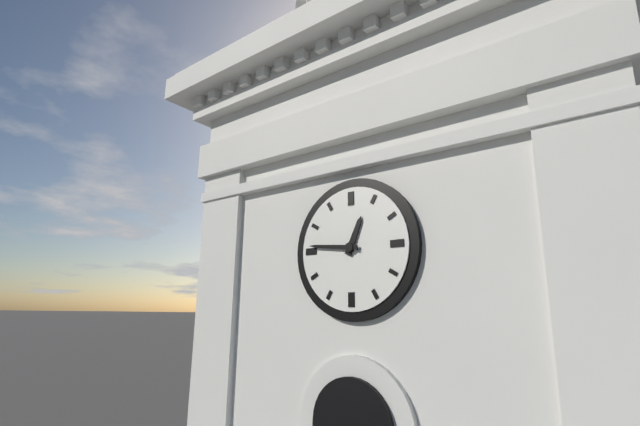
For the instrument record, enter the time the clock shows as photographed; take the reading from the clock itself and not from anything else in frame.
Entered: 12:46
